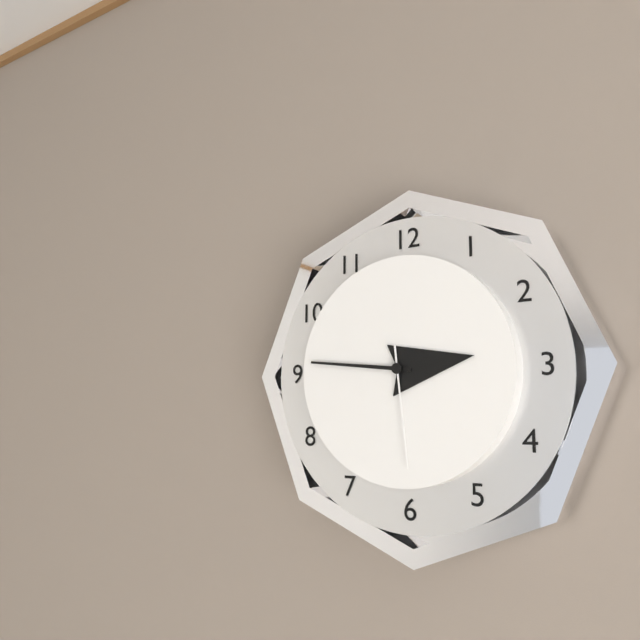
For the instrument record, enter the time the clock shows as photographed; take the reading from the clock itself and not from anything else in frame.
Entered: 2:46:29
